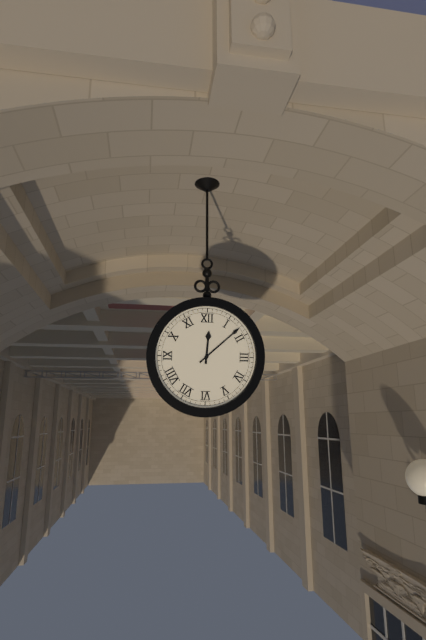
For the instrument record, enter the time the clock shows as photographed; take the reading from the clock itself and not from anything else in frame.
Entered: 12:08
